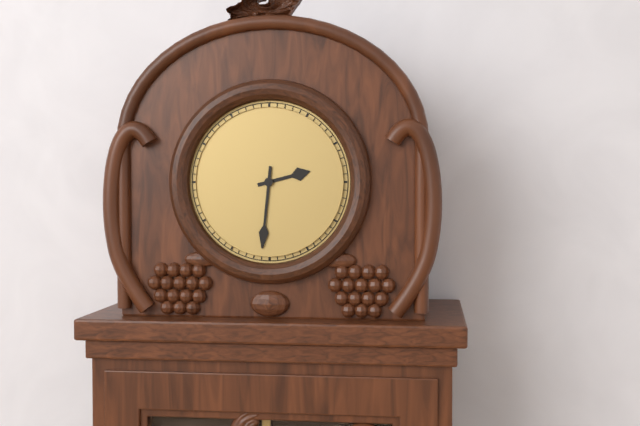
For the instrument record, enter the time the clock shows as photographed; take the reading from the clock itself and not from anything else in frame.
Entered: 2:31
